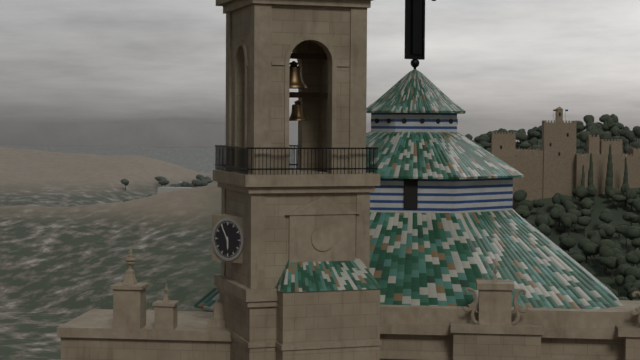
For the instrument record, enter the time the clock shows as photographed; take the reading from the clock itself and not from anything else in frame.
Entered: 5:55
